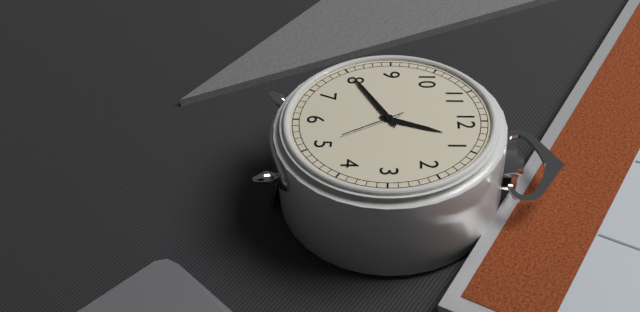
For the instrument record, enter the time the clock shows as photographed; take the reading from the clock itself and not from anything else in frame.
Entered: 12:40:25
